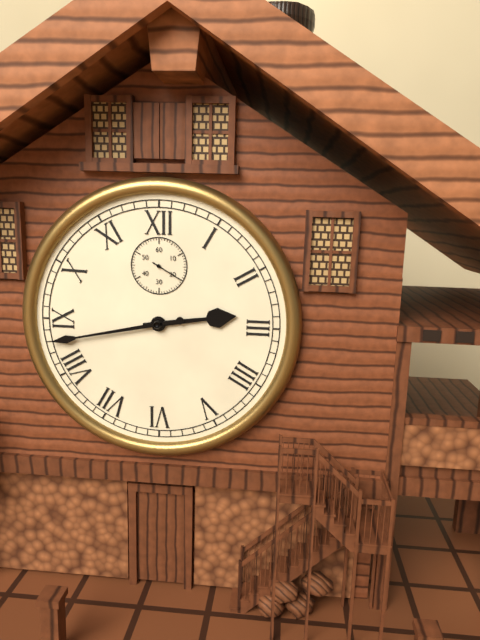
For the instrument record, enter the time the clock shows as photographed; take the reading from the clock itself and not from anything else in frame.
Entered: 2:43
